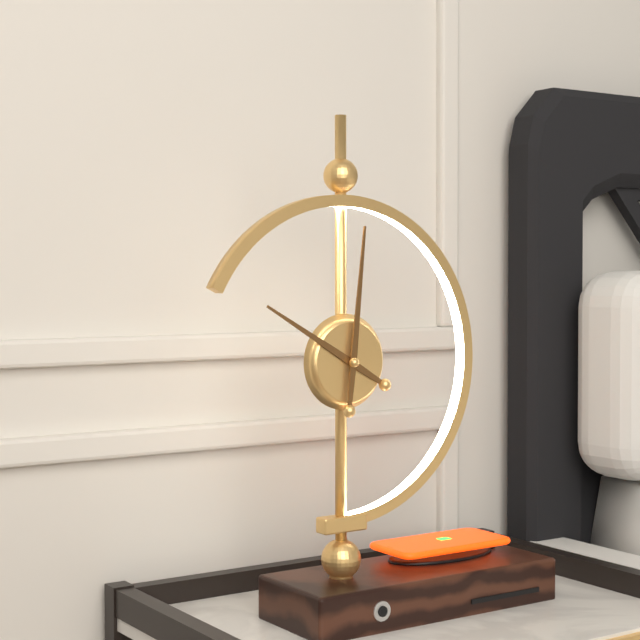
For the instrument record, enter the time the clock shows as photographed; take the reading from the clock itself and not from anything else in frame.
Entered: 10:01
